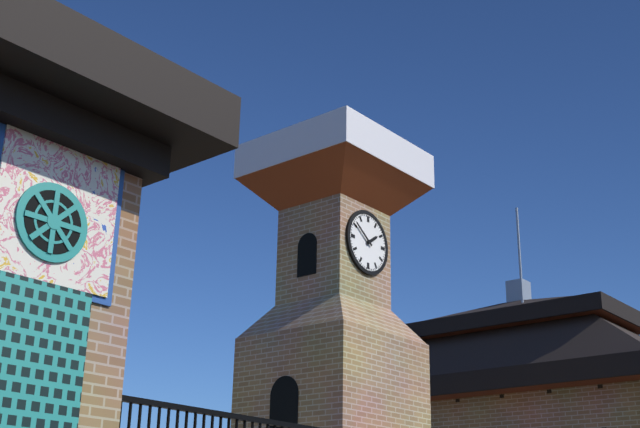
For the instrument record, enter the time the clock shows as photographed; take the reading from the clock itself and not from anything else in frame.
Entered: 1:51
